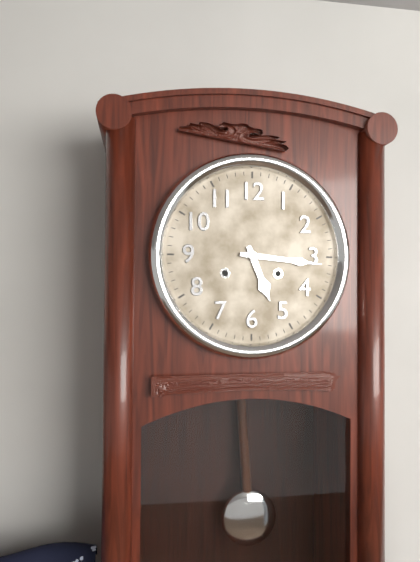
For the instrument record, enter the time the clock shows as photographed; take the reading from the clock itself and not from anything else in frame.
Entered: 5:16
